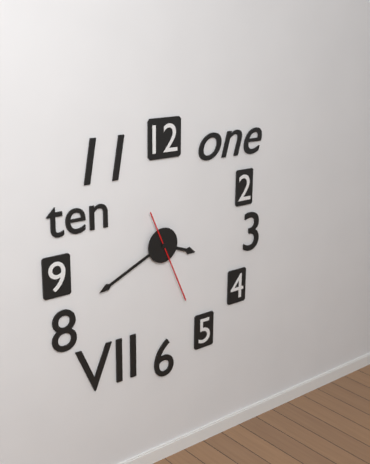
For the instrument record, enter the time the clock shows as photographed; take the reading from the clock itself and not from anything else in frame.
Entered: 3:41:26
